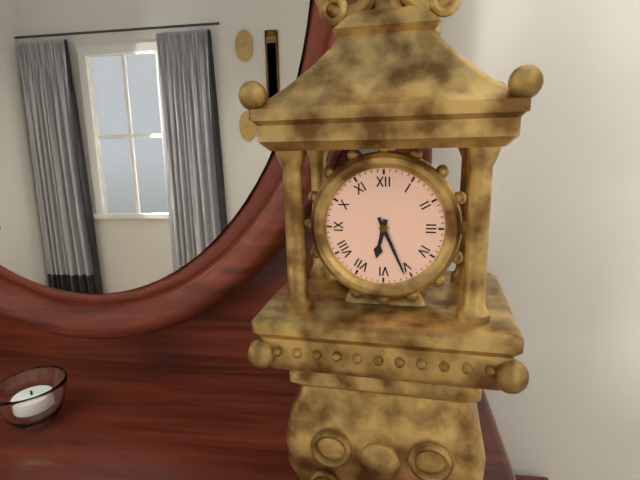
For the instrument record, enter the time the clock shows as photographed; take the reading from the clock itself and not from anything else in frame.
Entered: 6:26
